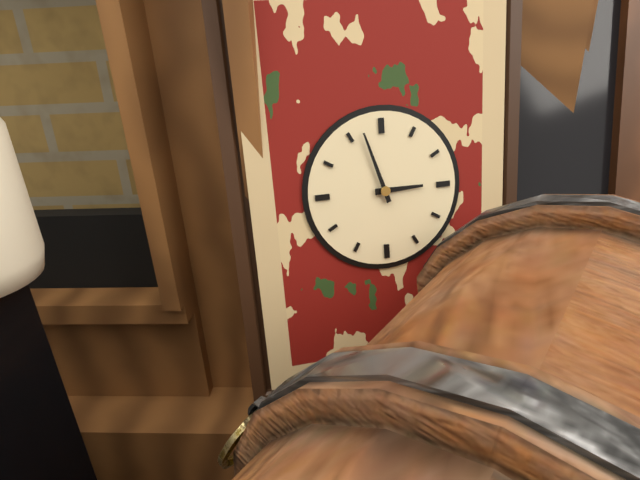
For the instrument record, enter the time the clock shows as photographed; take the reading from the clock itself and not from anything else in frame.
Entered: 2:57
